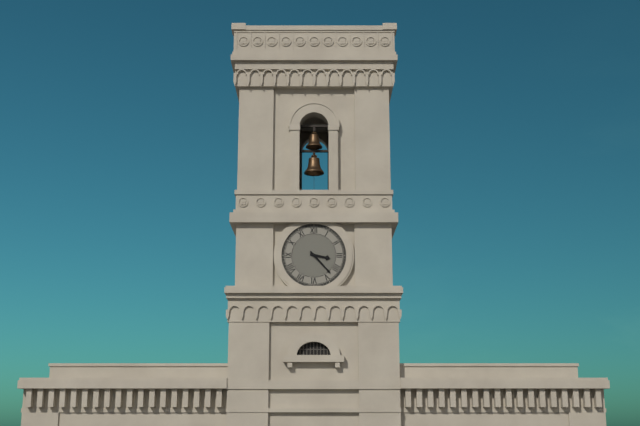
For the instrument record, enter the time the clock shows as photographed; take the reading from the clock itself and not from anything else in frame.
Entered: 3:23
